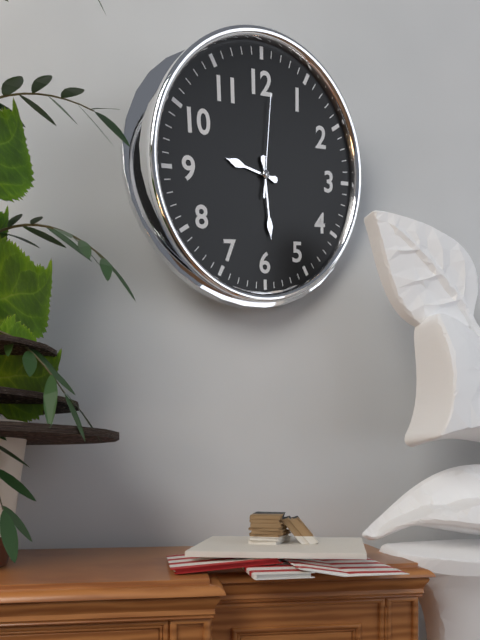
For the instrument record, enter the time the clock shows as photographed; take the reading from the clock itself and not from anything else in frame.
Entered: 9:29:01
